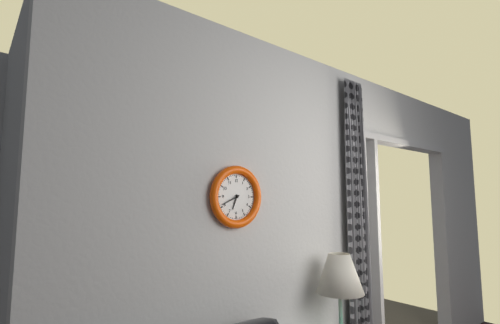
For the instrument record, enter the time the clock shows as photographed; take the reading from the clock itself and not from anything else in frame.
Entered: 6:41
